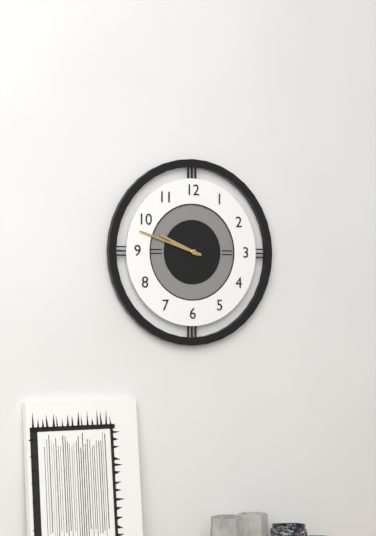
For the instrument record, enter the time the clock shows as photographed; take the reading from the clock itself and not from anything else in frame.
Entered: 9:48
